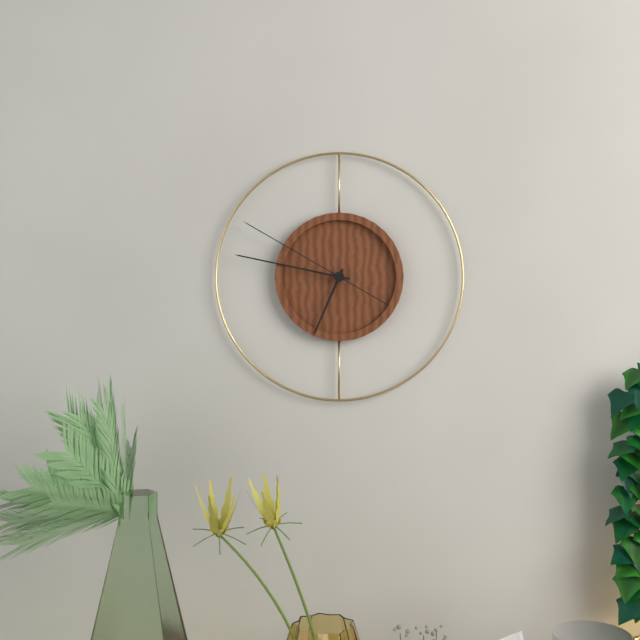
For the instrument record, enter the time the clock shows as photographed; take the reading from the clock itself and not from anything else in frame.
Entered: 6:47:50
